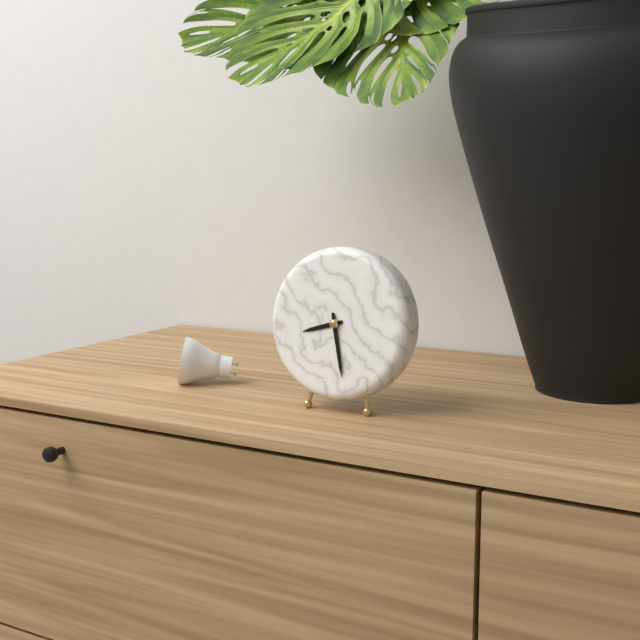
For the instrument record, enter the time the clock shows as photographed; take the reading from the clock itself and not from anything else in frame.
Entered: 8:28
